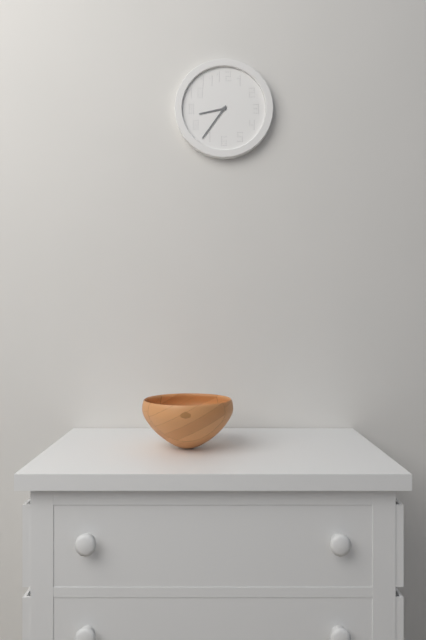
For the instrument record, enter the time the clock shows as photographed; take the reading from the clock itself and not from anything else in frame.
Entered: 8:36
